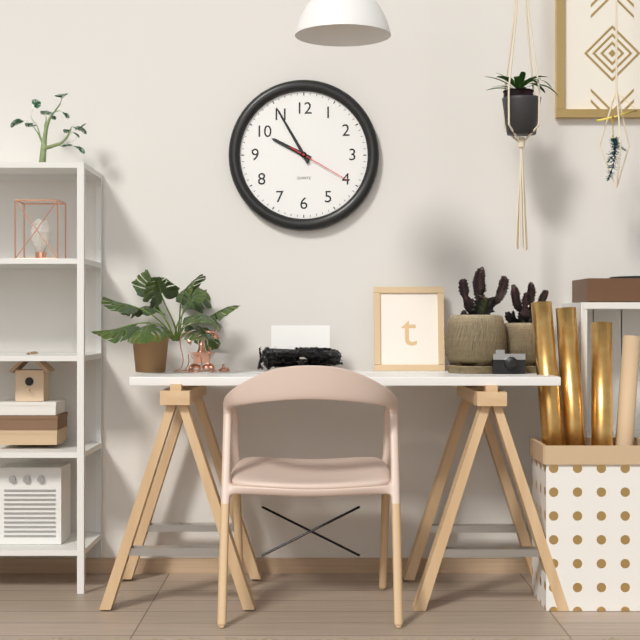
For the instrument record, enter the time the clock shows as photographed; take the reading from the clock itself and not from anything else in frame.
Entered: 9:55:20
